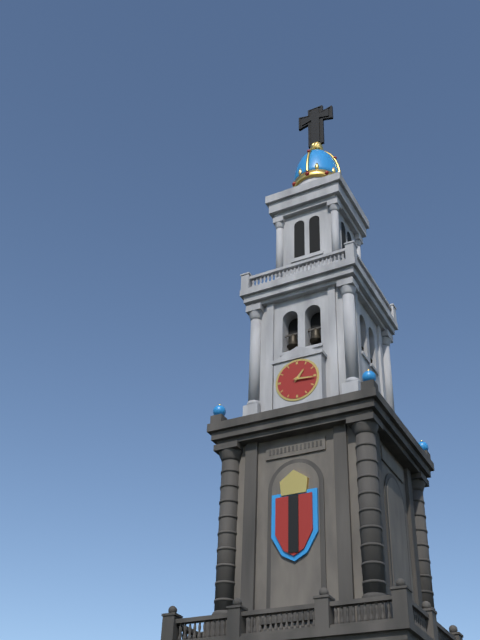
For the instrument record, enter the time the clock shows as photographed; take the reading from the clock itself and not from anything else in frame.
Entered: 1:16
